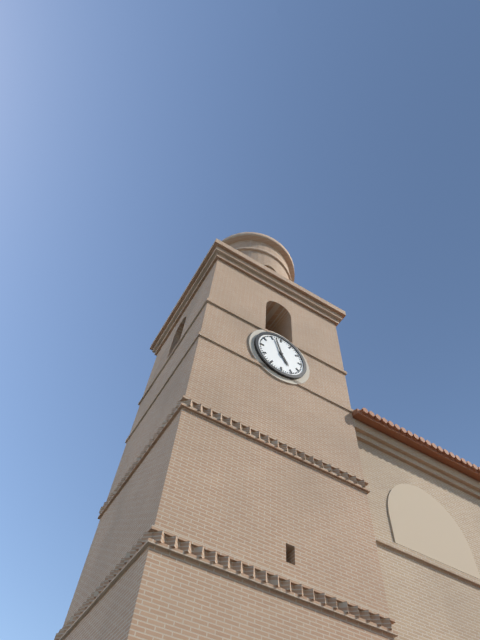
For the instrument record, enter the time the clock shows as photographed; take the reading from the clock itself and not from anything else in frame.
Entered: 4:57
